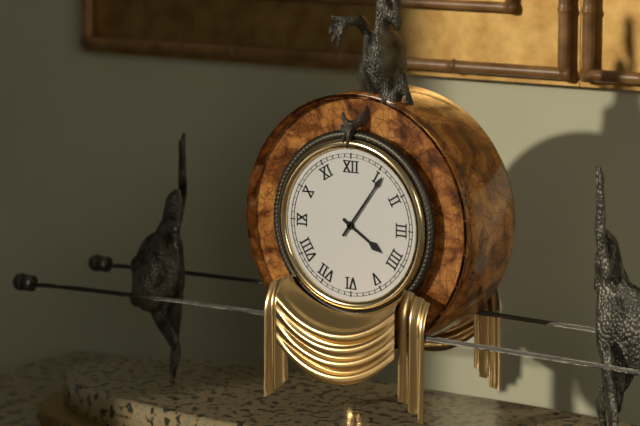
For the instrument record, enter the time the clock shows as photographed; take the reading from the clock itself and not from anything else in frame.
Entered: 4:06
